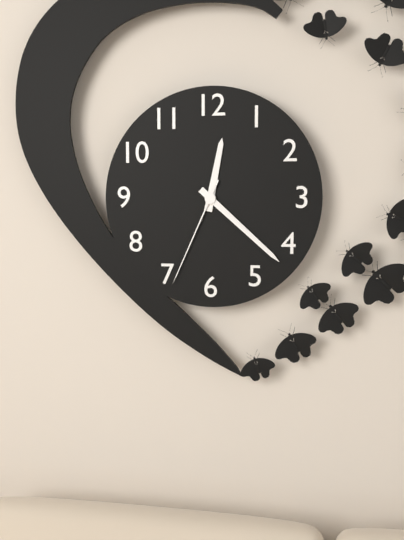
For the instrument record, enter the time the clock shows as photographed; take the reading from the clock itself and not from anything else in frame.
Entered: 12:22:34
